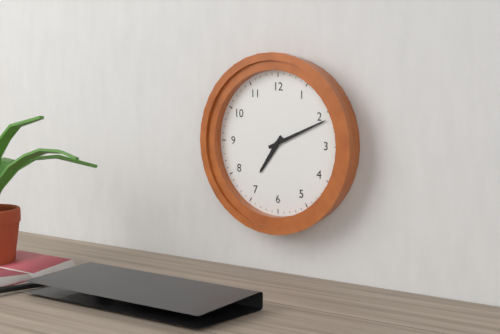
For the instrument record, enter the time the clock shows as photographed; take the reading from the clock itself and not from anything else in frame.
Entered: 7:11
